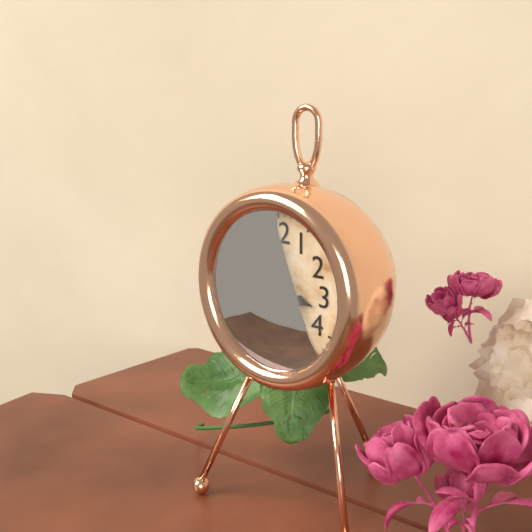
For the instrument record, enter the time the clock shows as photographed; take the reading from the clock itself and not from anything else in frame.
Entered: 3:24
